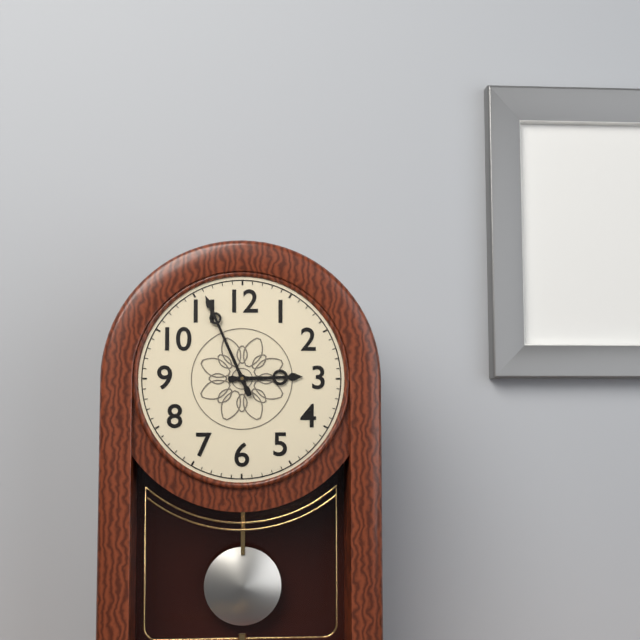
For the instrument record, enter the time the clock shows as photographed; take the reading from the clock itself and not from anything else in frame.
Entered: 2:56
